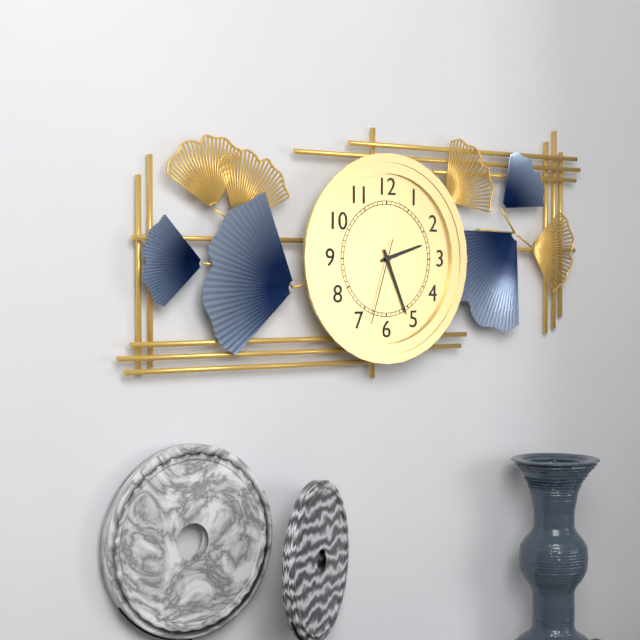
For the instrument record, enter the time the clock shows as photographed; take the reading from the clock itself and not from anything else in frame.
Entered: 2:26:33
